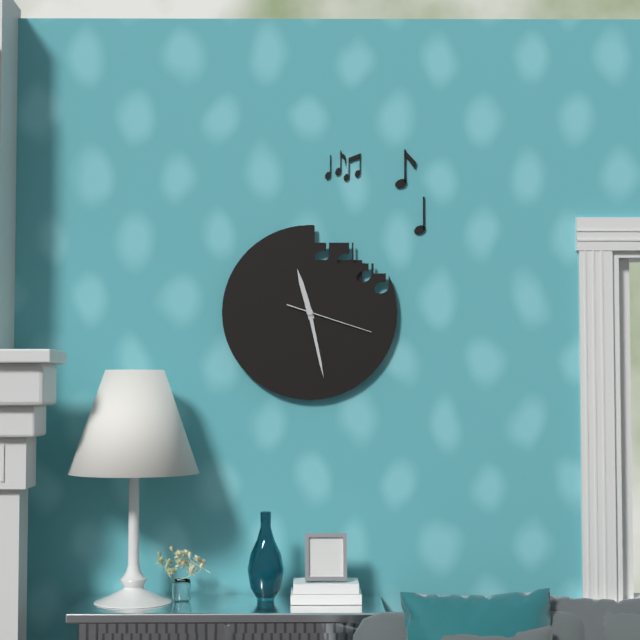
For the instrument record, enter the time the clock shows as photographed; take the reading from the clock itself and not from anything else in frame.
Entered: 11:28:18
